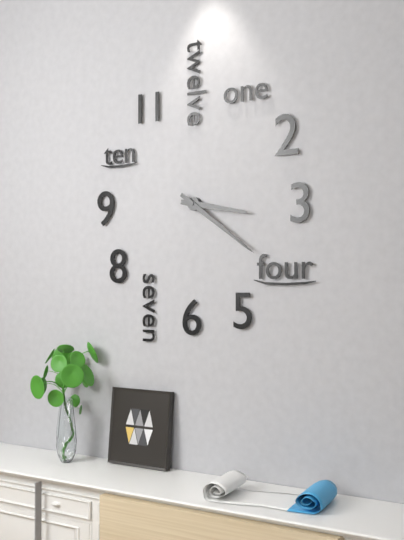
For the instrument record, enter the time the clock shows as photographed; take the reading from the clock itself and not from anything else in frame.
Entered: 3:21
